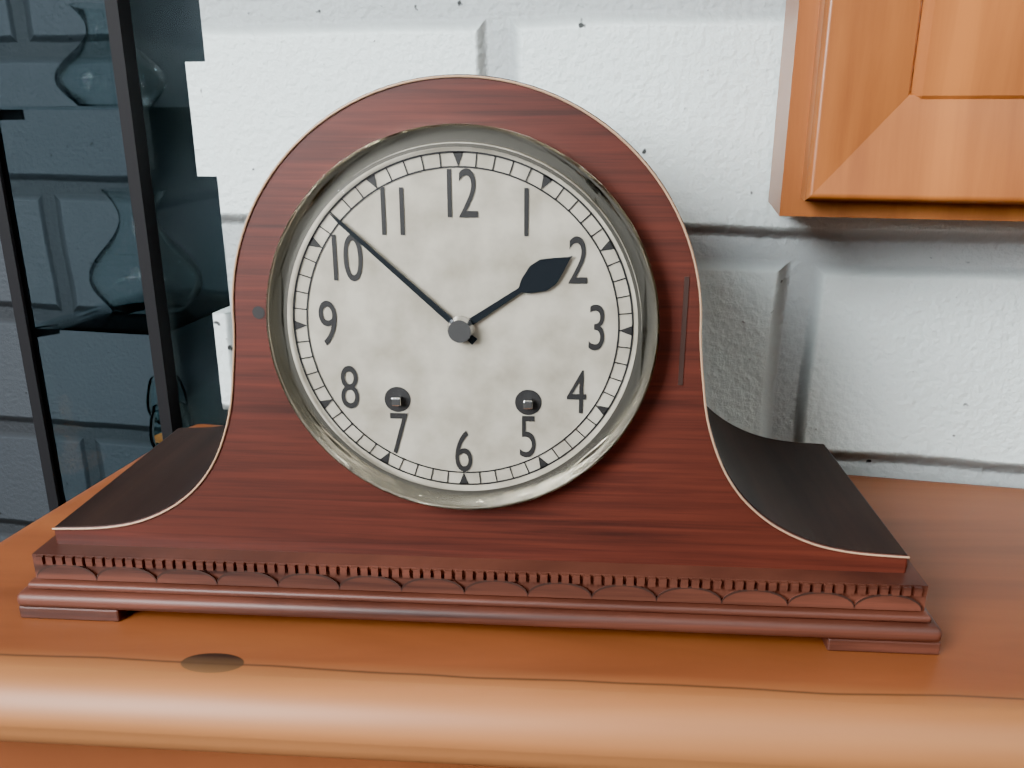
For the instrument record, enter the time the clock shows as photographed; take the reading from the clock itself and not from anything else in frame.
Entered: 1:52
